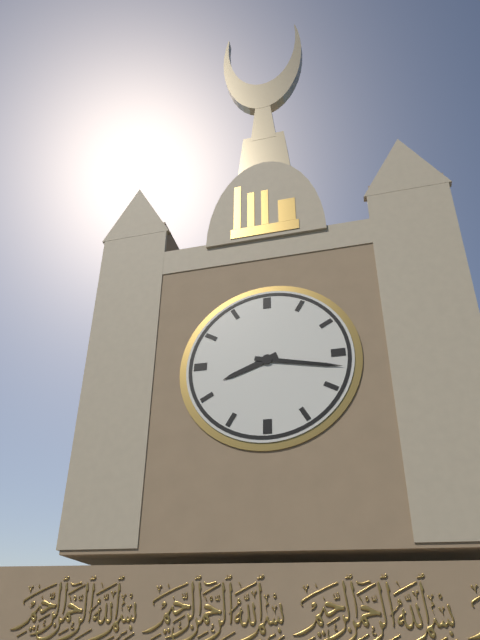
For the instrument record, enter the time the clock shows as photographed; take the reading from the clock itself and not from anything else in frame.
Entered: 8:17
